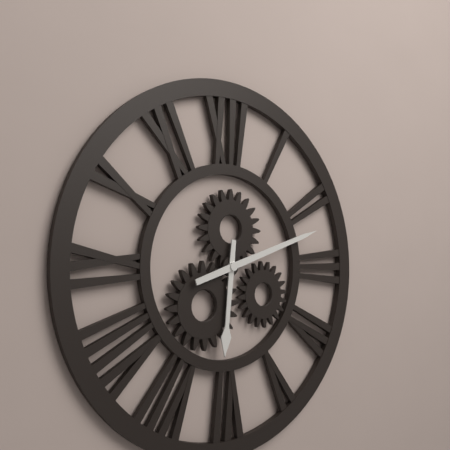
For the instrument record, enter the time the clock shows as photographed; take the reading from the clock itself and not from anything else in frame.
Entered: 6:12
